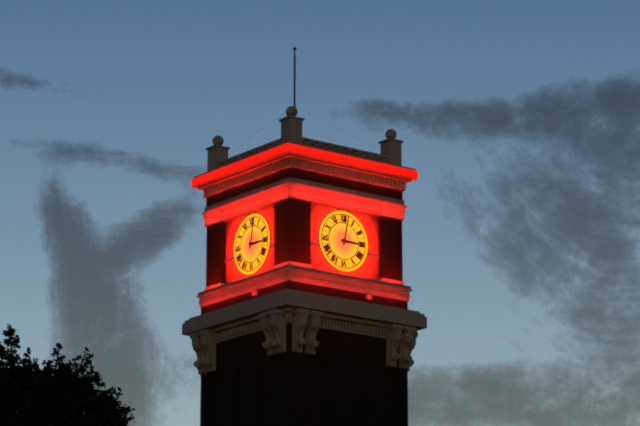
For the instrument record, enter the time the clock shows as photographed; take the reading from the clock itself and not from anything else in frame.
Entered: 3:02
